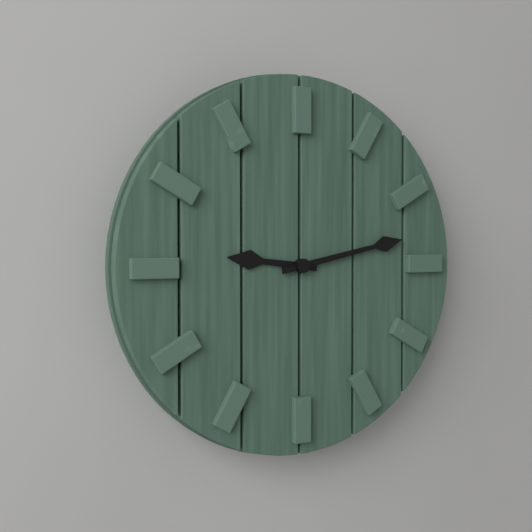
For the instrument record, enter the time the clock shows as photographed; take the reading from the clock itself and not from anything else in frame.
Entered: 9:13
